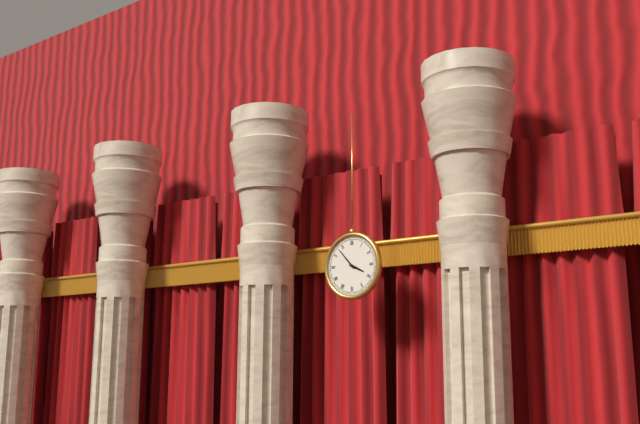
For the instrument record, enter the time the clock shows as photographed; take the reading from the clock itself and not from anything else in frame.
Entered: 3:53
